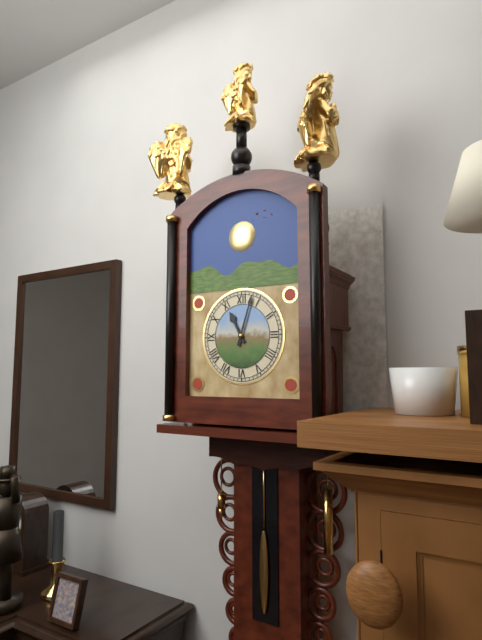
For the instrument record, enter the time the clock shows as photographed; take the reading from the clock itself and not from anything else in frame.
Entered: 11:03
